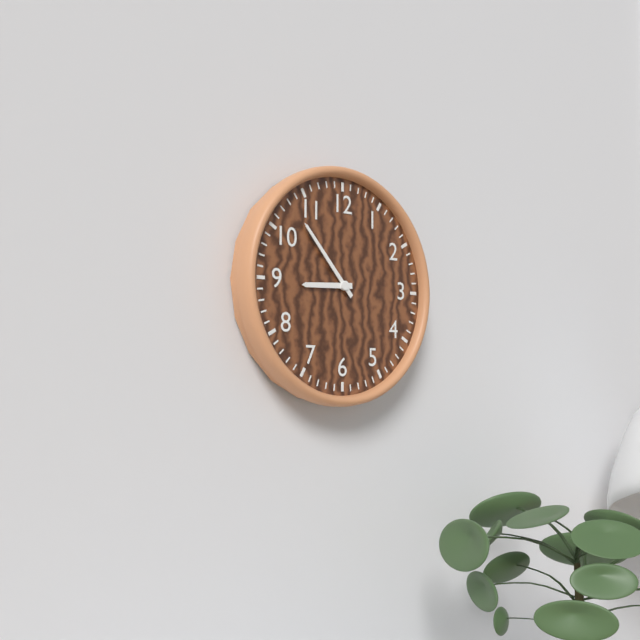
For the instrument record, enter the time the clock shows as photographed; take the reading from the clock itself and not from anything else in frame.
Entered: 8:53
